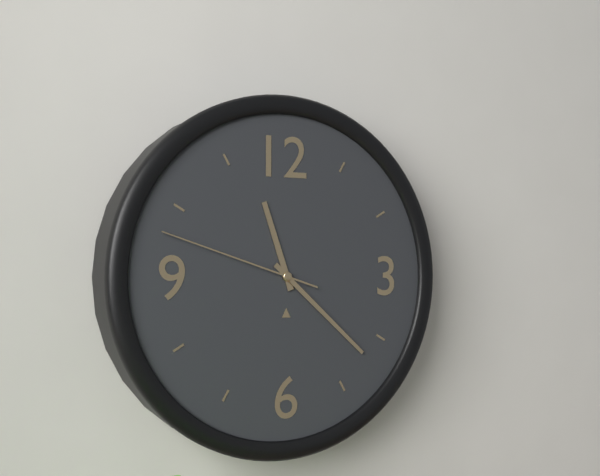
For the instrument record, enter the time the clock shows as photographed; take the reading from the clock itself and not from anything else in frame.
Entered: 11:22:48
